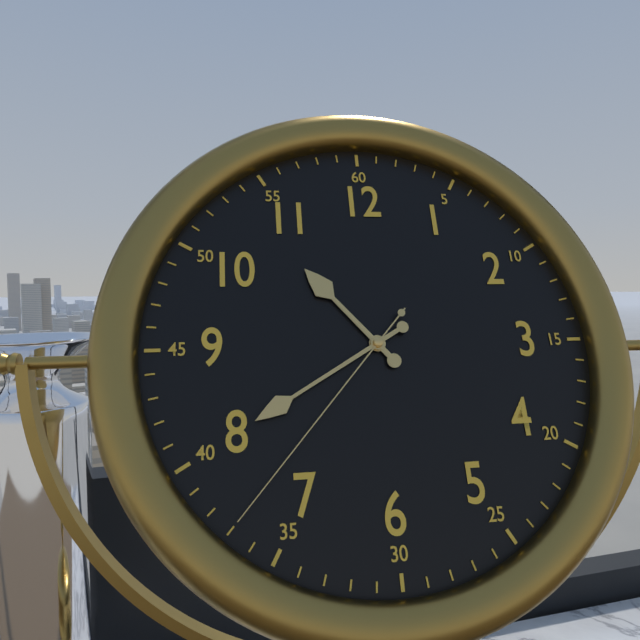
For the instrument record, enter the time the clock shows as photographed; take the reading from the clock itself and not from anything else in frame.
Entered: 10:40:37
